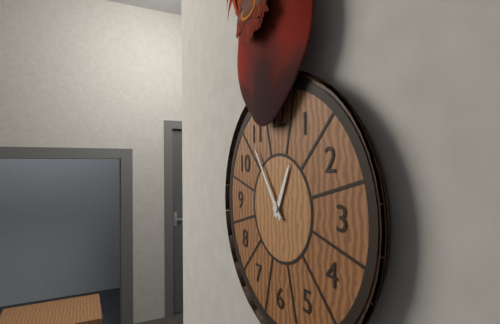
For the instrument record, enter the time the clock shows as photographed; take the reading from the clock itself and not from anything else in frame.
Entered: 12:54
